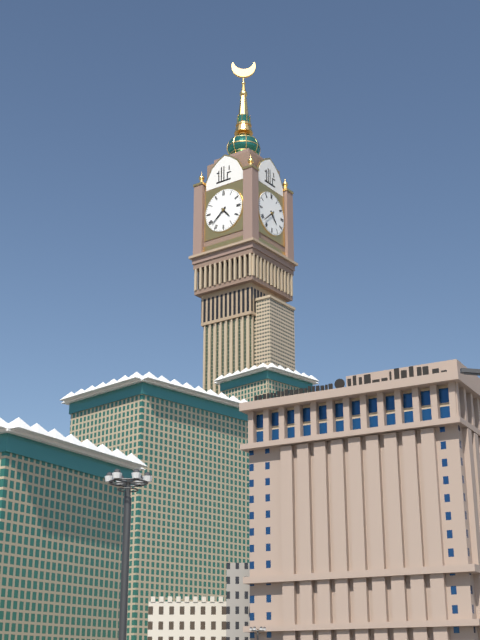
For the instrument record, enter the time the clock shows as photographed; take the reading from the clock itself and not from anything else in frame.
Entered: 4:38
